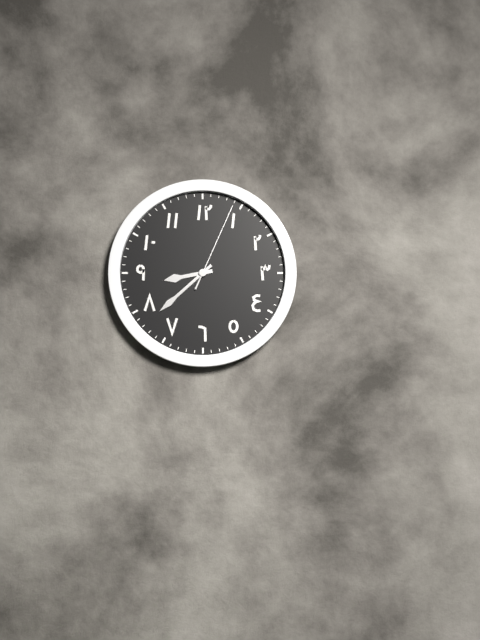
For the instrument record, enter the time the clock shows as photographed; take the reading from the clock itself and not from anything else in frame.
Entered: 8:38:04
